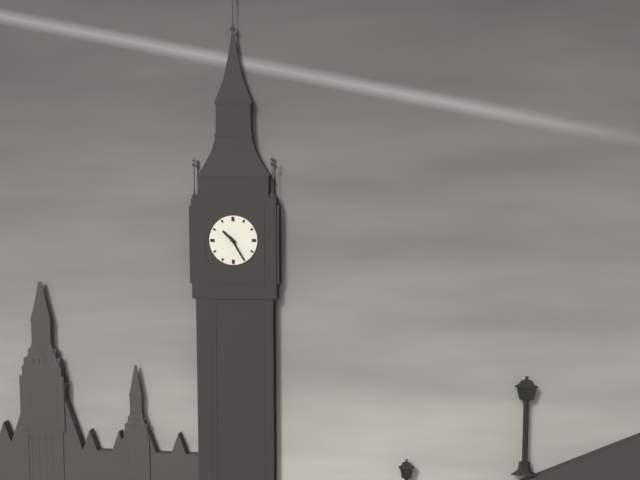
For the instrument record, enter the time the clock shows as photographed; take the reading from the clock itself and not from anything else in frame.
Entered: 10:25
